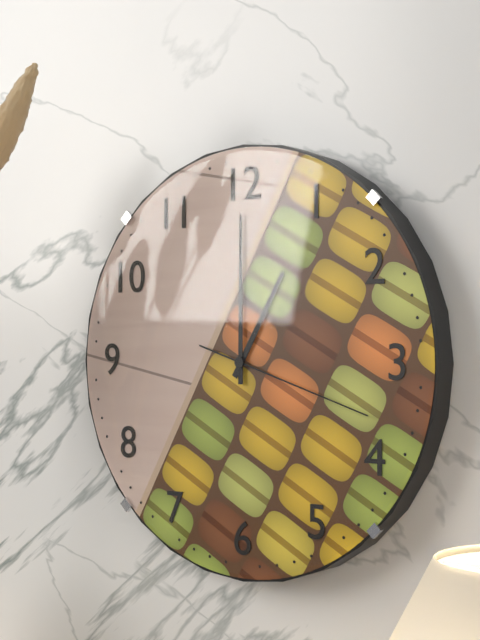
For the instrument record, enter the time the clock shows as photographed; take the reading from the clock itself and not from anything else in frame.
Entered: 1:00:18
